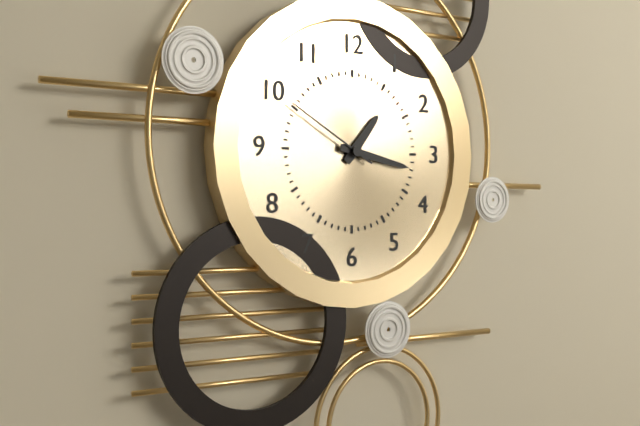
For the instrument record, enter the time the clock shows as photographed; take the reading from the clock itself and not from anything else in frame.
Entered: 1:17:50
